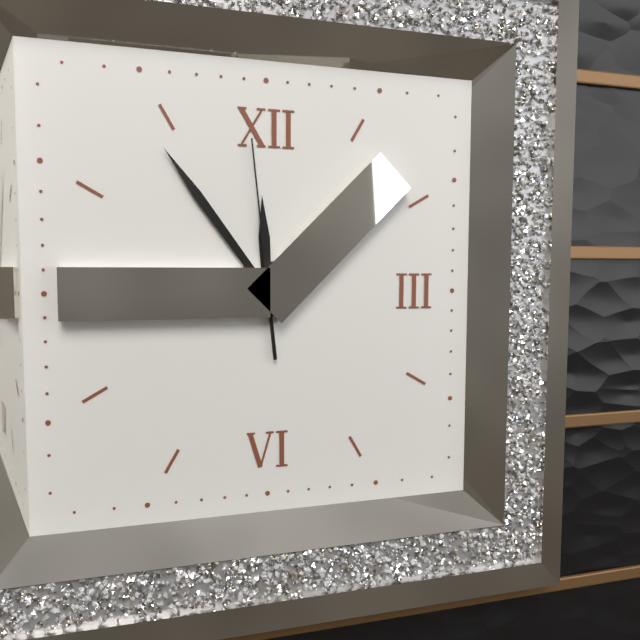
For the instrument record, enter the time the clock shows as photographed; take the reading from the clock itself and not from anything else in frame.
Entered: 11:54:59
